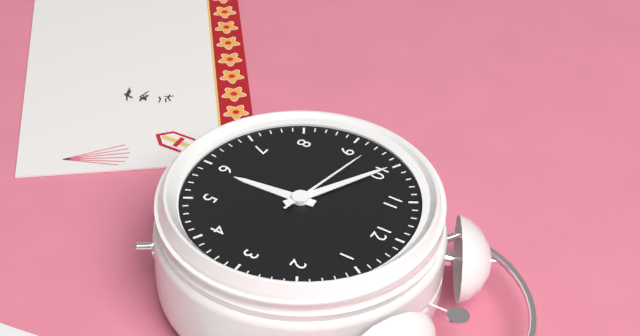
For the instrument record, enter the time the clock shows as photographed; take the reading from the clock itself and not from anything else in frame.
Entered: 5:50:47
